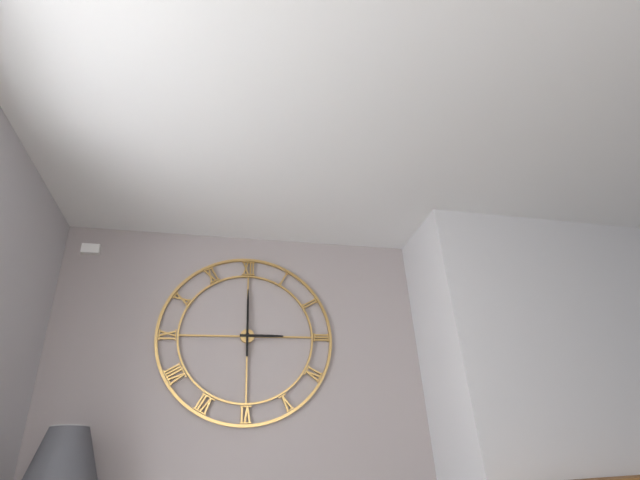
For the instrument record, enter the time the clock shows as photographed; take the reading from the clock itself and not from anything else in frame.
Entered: 3:00
